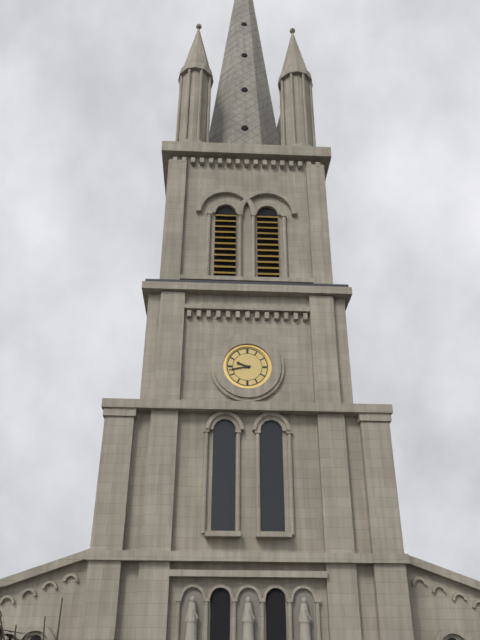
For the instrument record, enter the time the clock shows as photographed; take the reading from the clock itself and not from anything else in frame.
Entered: 9:43
